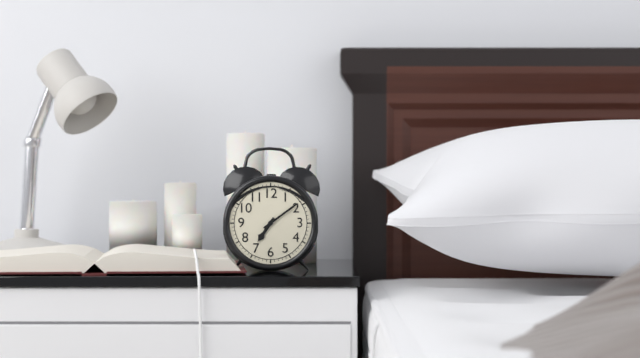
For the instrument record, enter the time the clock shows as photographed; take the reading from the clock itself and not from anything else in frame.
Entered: 7:09
